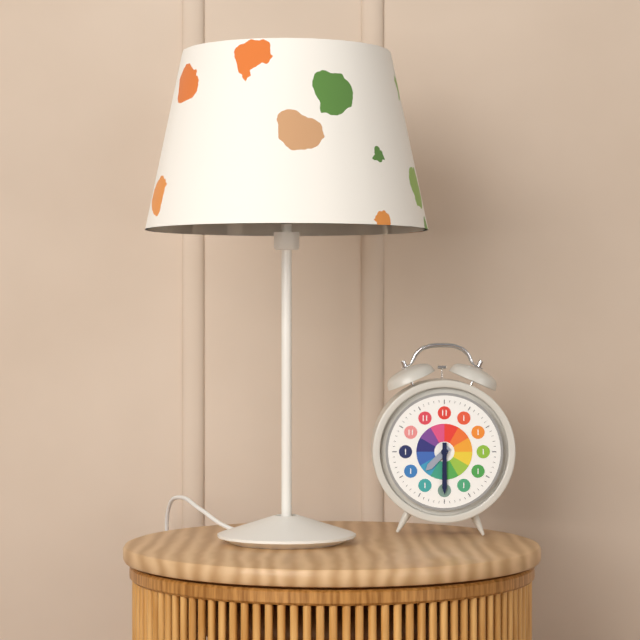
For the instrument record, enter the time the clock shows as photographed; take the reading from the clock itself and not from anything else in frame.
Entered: 7:30
